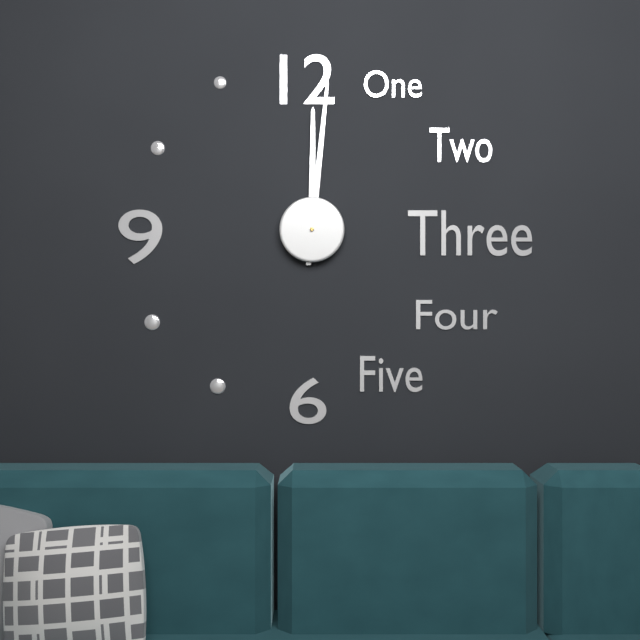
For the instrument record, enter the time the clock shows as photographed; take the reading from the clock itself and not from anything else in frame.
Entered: 12:01
